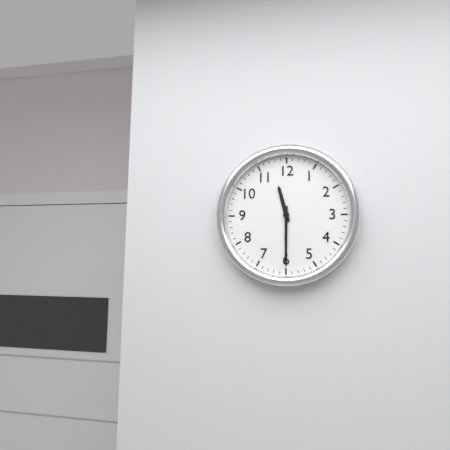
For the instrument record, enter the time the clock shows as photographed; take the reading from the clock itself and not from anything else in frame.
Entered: 11:30
